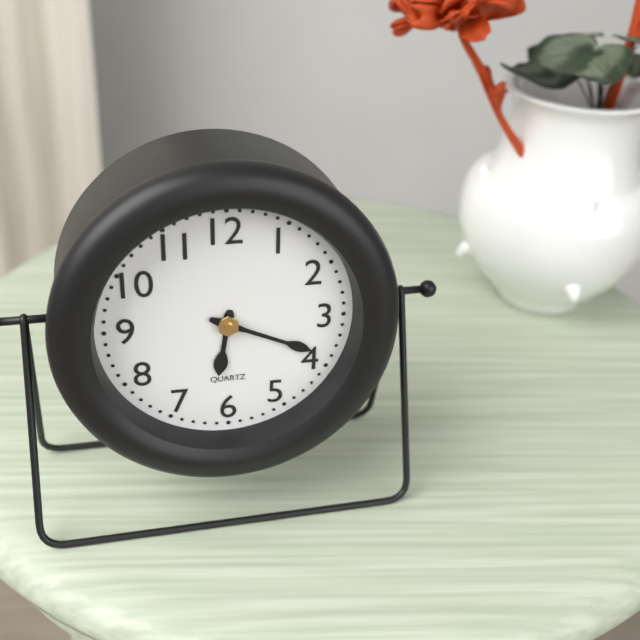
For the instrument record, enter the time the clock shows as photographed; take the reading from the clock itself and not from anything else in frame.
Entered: 6:19
